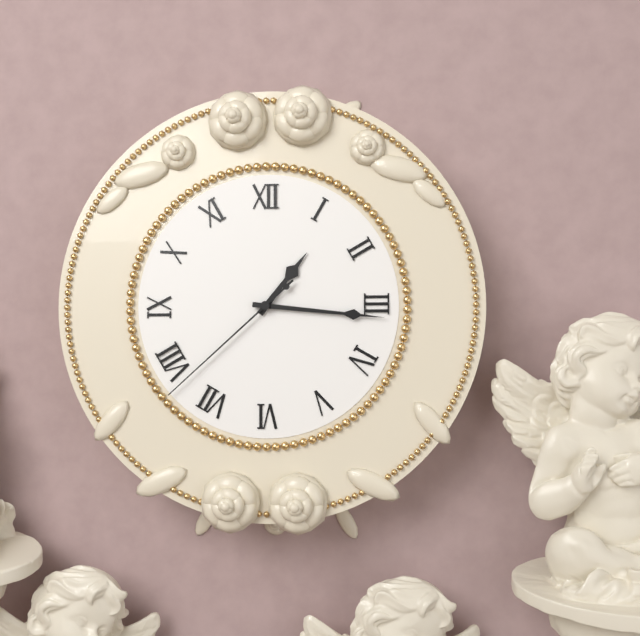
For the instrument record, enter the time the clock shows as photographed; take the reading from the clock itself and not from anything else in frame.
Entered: 1:16:38
